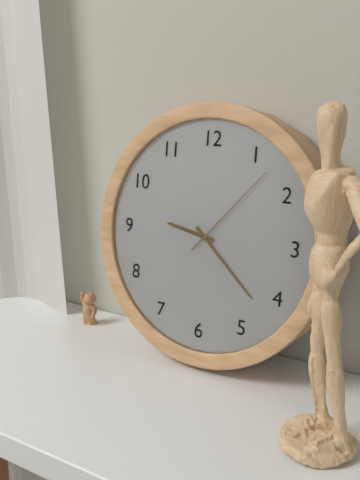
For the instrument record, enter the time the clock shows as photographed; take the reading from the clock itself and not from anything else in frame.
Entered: 9:22:07
